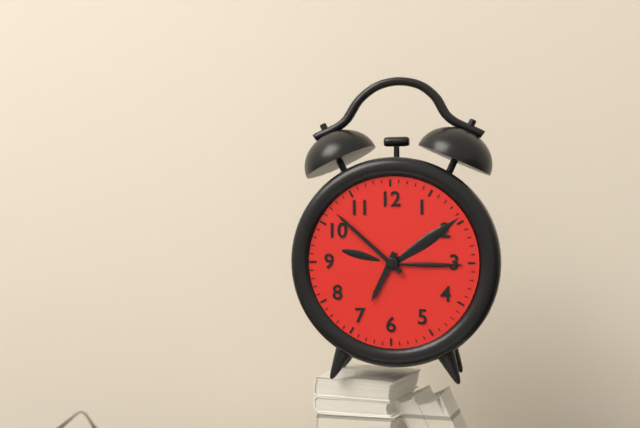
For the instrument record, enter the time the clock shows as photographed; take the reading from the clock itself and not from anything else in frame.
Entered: 6:52
